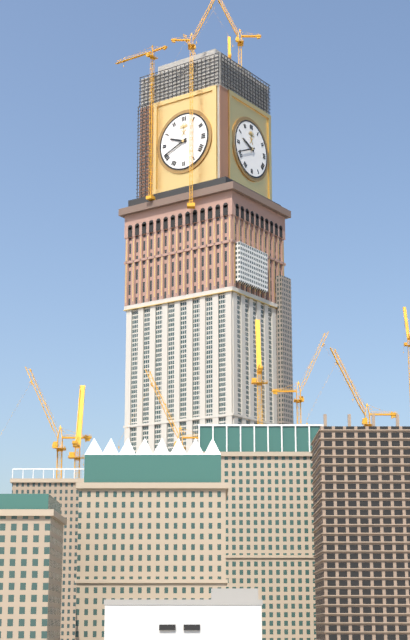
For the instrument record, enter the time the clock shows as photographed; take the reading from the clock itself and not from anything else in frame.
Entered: 9:41
